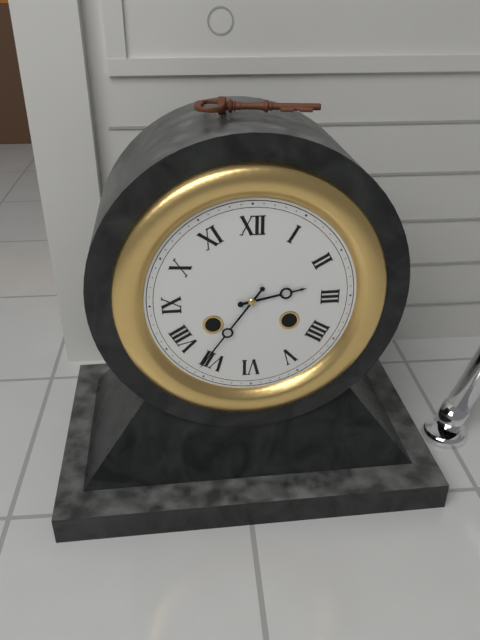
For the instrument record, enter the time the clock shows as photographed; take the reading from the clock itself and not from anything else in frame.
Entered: 2:36
